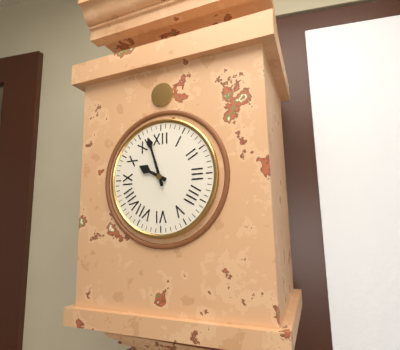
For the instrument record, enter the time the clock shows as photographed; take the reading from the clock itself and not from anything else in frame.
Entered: 9:57
